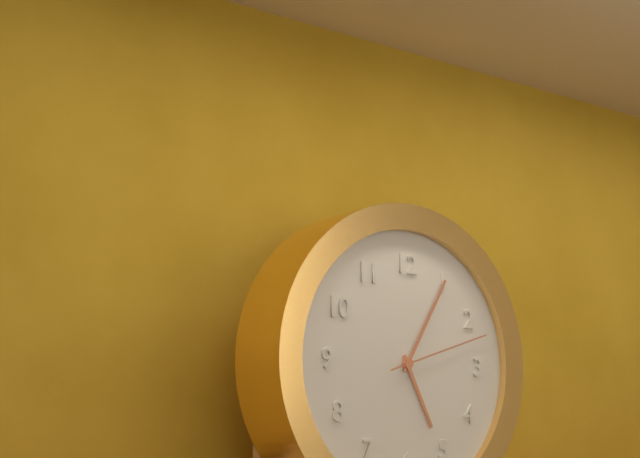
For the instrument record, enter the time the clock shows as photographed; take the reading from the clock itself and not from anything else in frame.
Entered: 5:05:12
